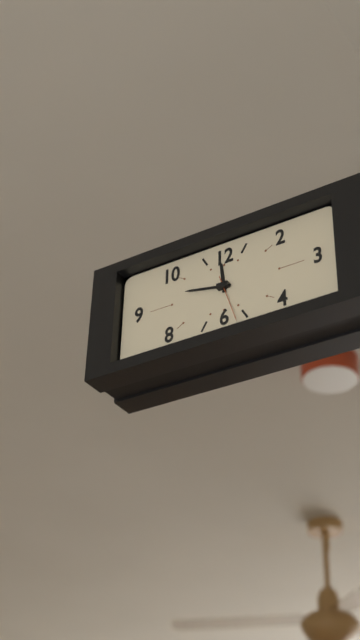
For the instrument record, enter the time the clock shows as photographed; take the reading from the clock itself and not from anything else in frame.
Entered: 11:47
